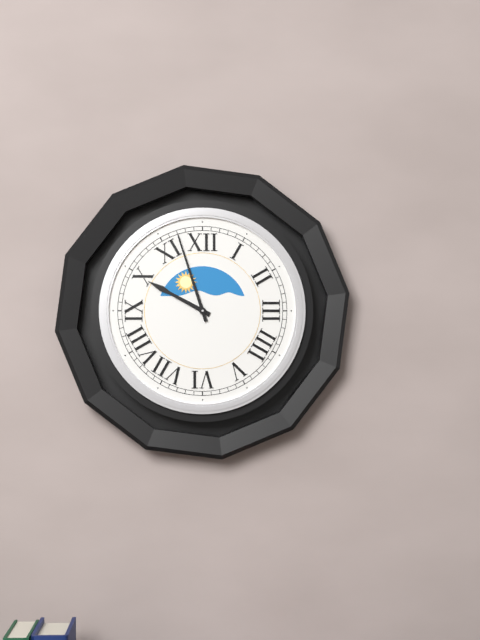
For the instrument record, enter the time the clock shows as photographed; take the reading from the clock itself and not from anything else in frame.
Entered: 9:57
